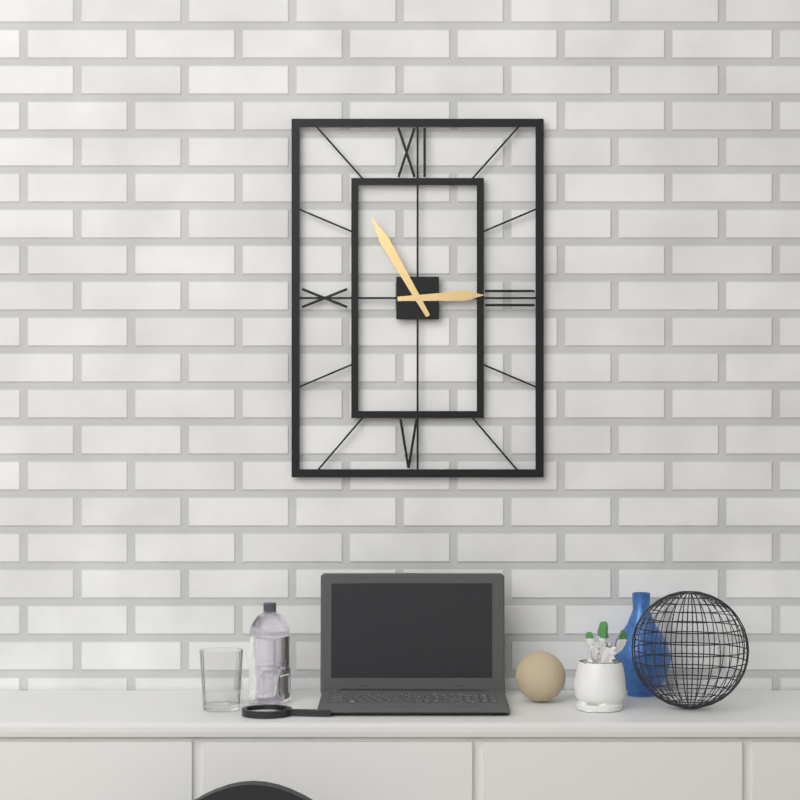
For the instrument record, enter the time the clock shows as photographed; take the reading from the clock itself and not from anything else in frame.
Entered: 2:55
